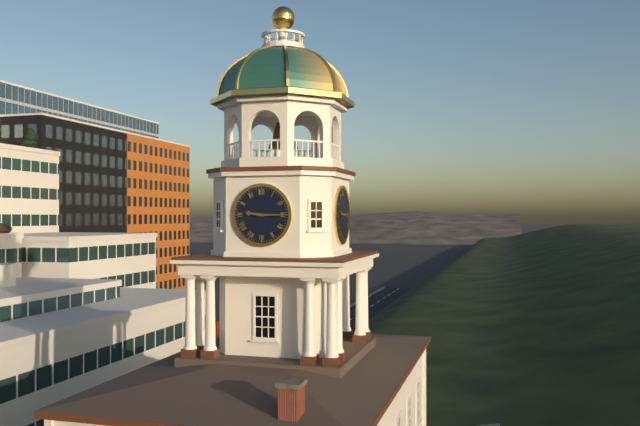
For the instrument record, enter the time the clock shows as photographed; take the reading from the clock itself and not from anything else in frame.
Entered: 9:15
